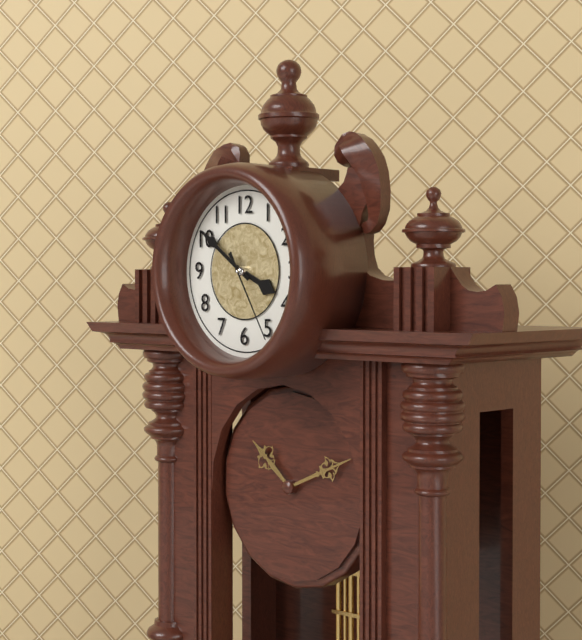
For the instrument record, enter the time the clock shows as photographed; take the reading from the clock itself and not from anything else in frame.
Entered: 3:51:25
